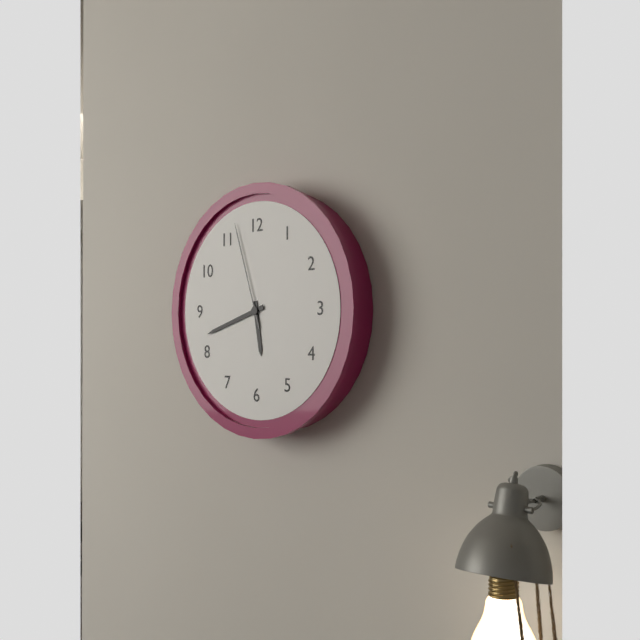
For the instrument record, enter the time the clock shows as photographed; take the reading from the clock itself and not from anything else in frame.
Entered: 5:42:57
